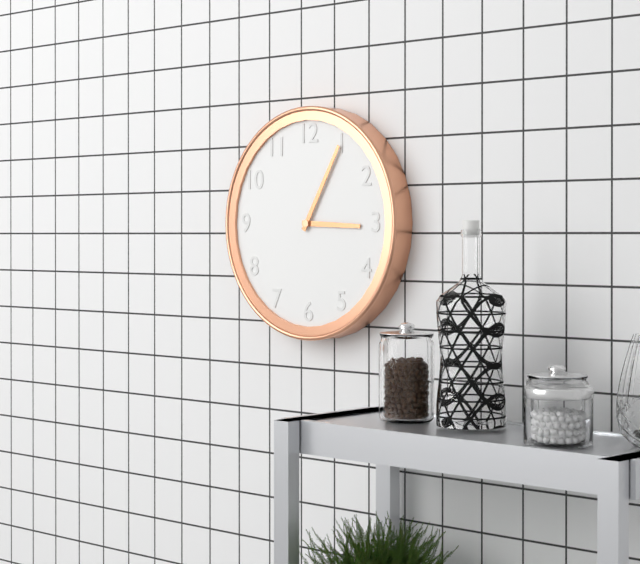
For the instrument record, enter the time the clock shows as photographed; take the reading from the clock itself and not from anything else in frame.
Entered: 3:05
